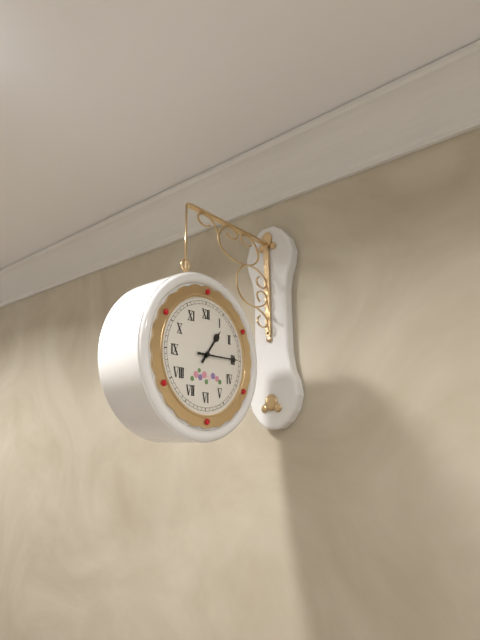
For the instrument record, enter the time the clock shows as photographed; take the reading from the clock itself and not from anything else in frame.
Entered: 1:15
